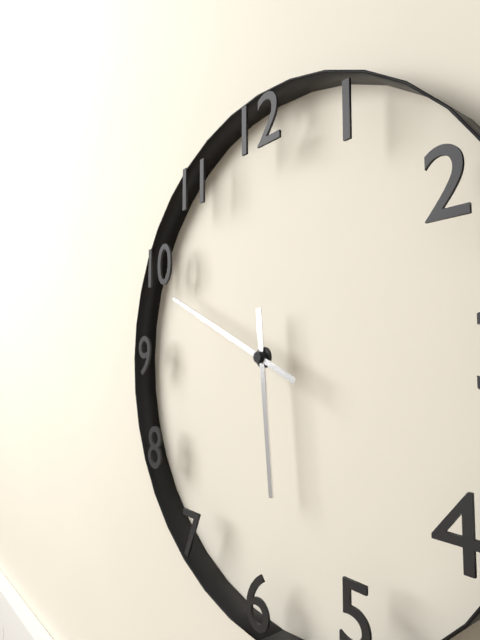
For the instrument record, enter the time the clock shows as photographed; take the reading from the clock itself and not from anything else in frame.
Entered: 5:49
